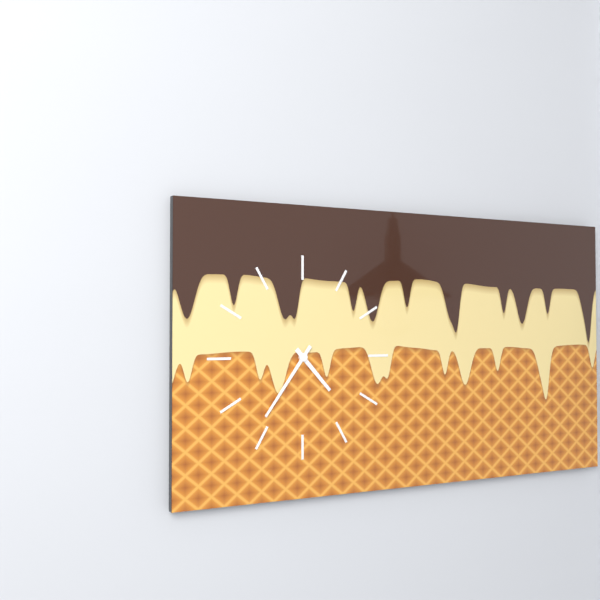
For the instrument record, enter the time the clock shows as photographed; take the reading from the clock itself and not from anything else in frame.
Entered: 4:36
